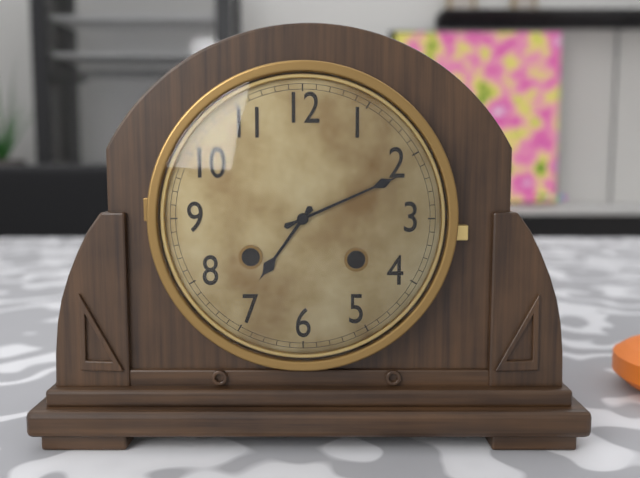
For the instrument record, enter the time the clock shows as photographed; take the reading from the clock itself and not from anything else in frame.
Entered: 7:11
